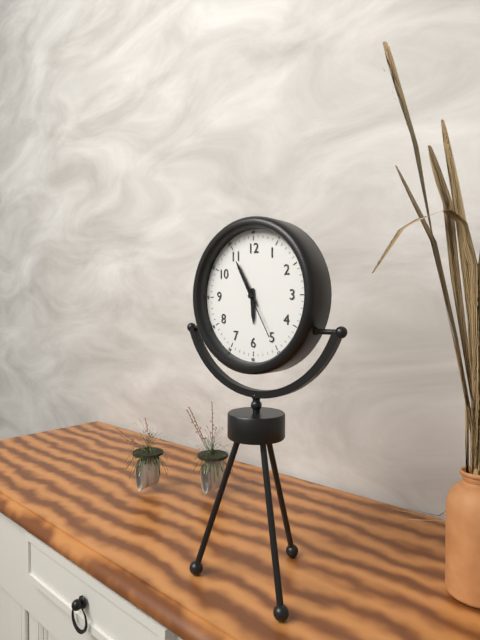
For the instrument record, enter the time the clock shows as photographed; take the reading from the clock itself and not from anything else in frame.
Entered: 5:55:25
